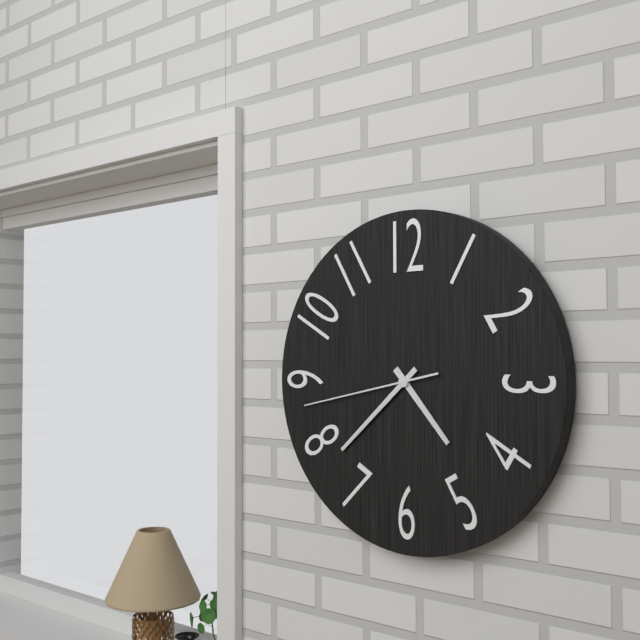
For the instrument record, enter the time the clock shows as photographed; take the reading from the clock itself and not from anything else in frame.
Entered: 4:38:43
